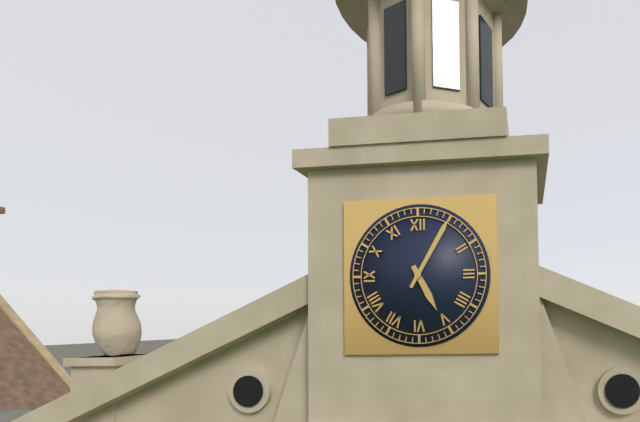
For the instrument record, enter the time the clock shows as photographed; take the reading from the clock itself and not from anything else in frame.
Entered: 5:05
